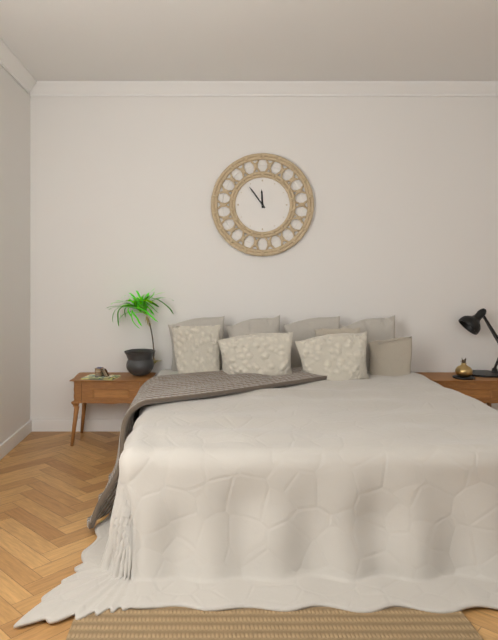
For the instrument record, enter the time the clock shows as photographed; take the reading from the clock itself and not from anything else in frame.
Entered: 11:54
